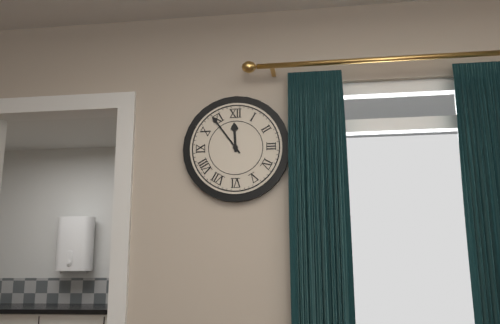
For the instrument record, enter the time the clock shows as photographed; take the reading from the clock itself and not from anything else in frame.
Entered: 11:54
